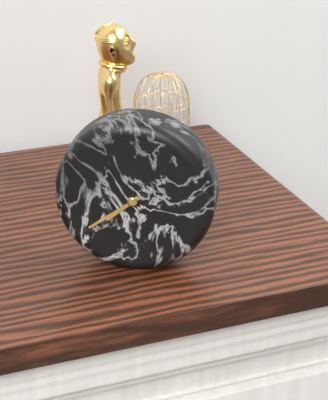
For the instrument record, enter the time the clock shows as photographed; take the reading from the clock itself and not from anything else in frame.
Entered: 7:39
